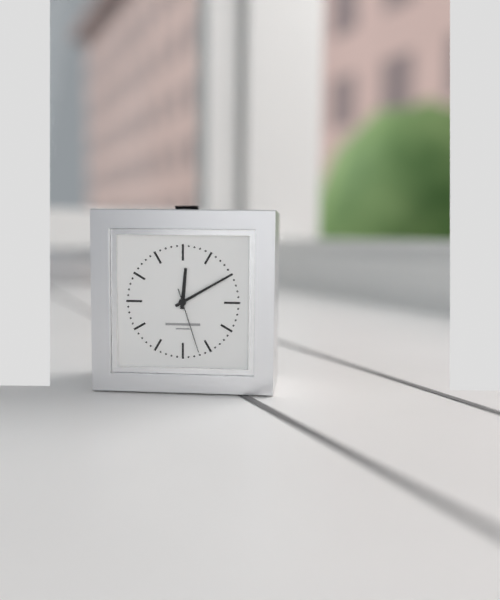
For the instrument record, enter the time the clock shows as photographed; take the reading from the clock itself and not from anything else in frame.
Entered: 12:10:27
